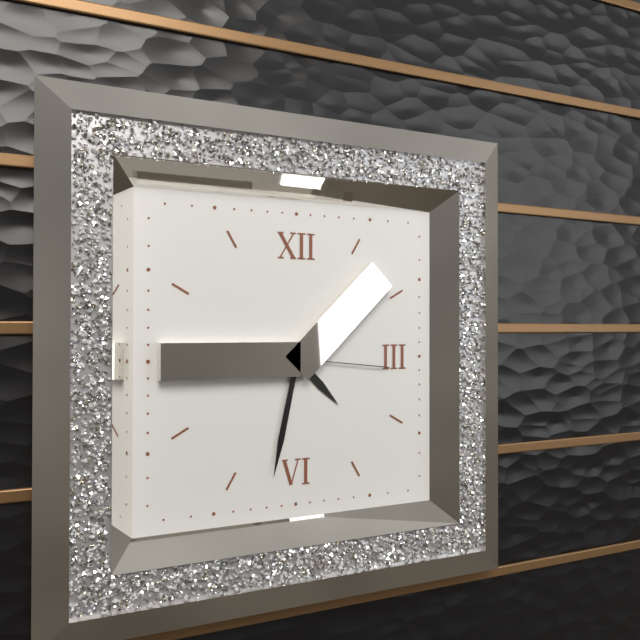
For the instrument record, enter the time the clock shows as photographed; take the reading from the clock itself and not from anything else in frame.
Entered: 4:32:16
